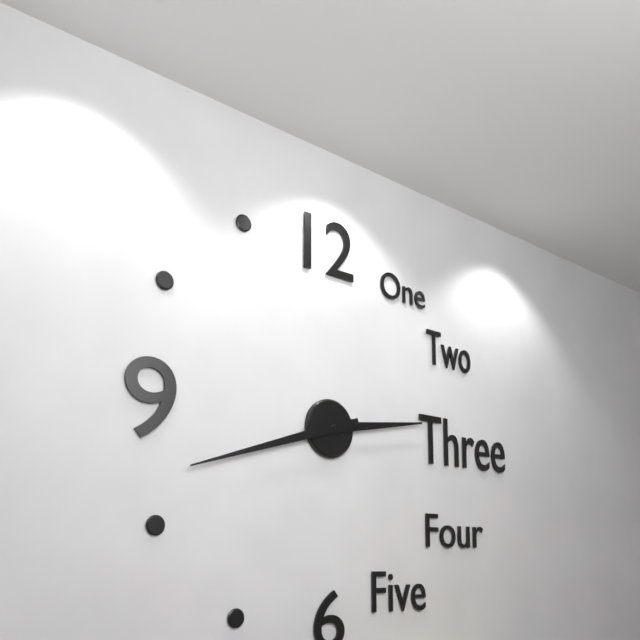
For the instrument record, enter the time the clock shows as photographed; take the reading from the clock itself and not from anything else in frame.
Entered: 2:42
